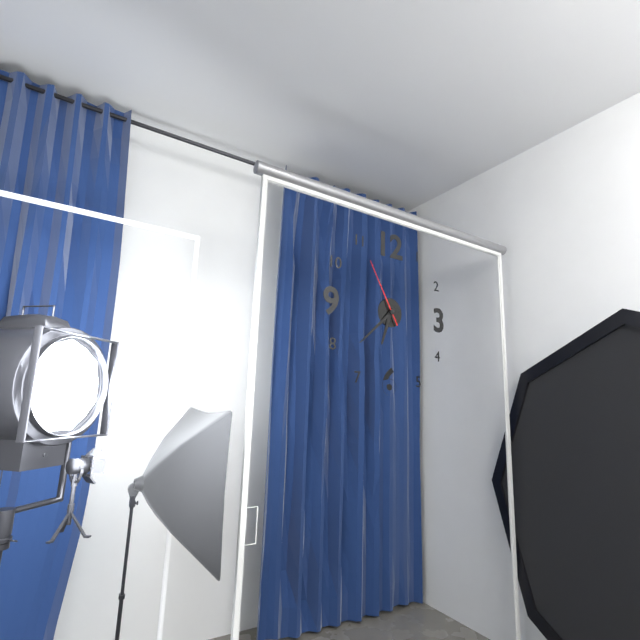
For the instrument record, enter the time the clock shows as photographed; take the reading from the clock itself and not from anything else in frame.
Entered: 6:38:55
